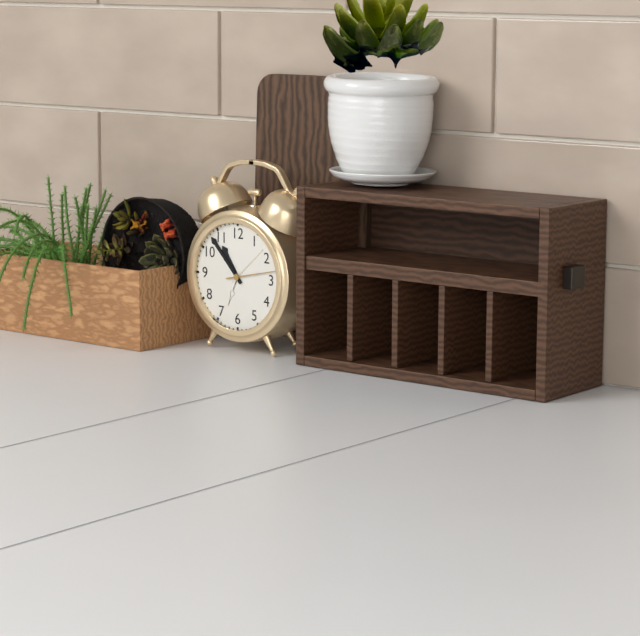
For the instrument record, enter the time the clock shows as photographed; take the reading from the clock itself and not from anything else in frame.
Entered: 10:53
